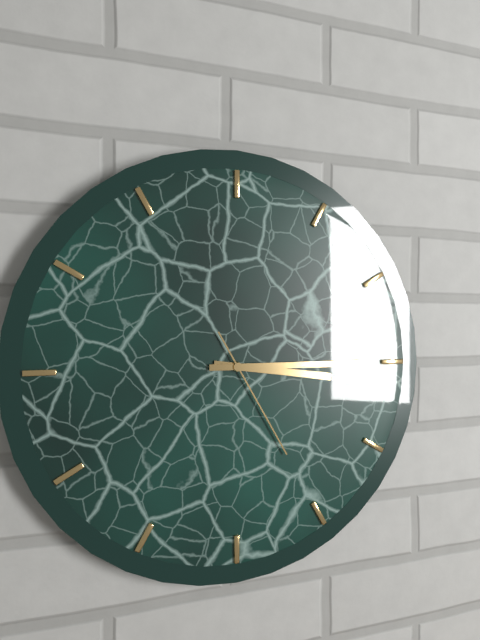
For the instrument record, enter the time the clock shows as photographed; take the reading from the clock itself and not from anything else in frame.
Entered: 3:15:25
